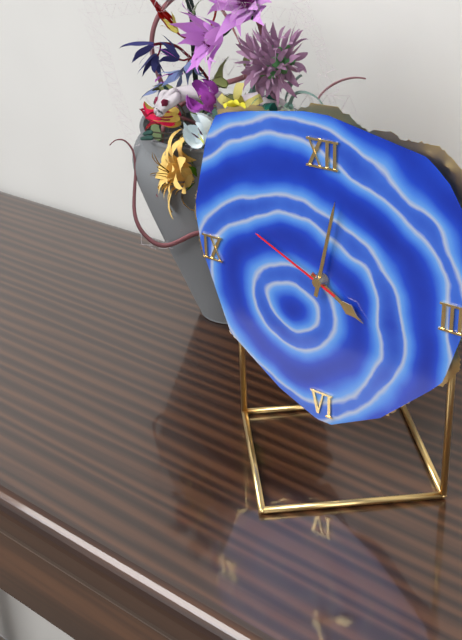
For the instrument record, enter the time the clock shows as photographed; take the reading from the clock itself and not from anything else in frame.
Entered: 4:02:49
